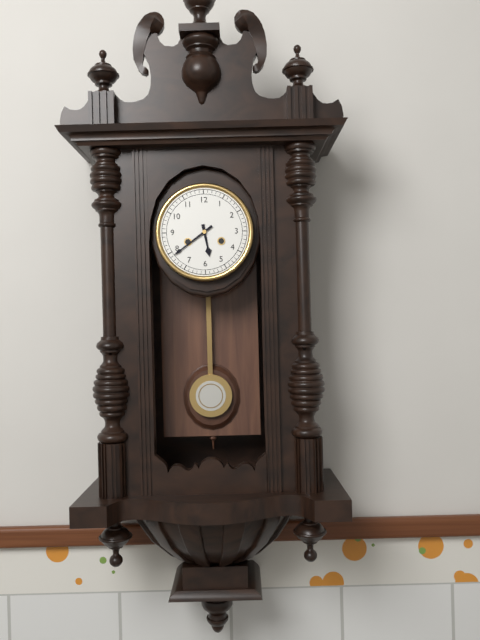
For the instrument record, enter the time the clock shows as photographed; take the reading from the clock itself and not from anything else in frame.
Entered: 5:39
